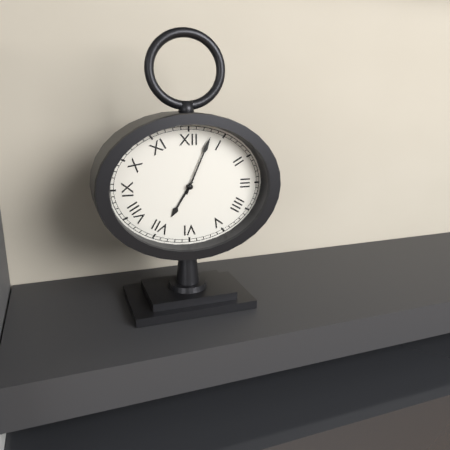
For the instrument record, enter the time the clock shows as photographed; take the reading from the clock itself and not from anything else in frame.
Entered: 7:04
